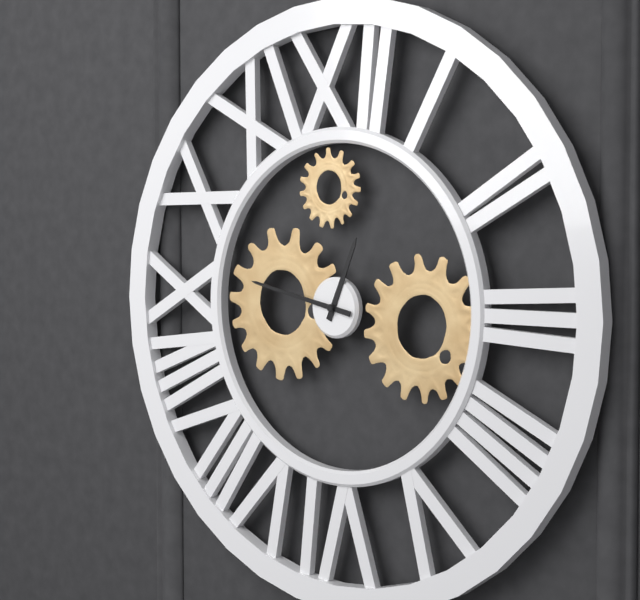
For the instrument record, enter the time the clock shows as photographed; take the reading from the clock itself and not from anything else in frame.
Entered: 12:47
